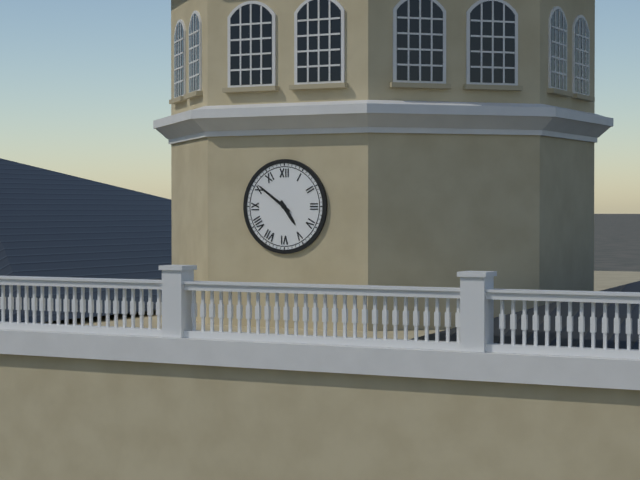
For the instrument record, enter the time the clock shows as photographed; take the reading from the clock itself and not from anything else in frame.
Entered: 4:51
